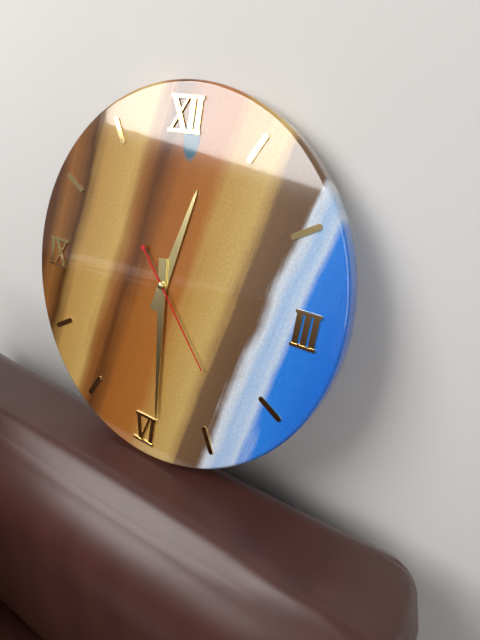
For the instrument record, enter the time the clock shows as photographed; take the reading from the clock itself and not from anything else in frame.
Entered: 12:29:23
